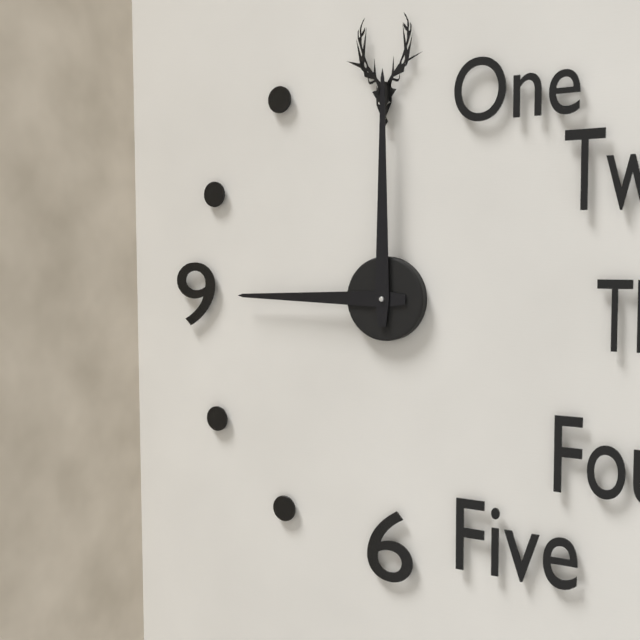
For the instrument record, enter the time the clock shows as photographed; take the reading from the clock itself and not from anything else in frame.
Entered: 9:00
